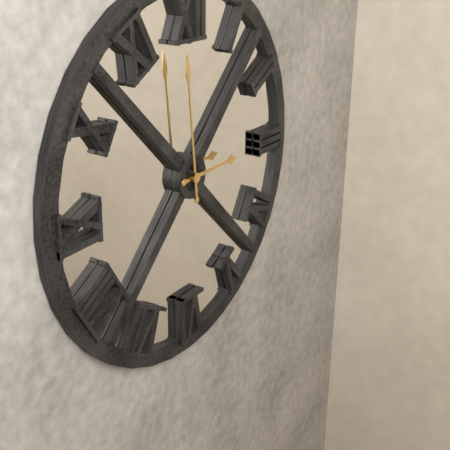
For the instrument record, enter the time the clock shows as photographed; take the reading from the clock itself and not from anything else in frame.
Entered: 2:59
